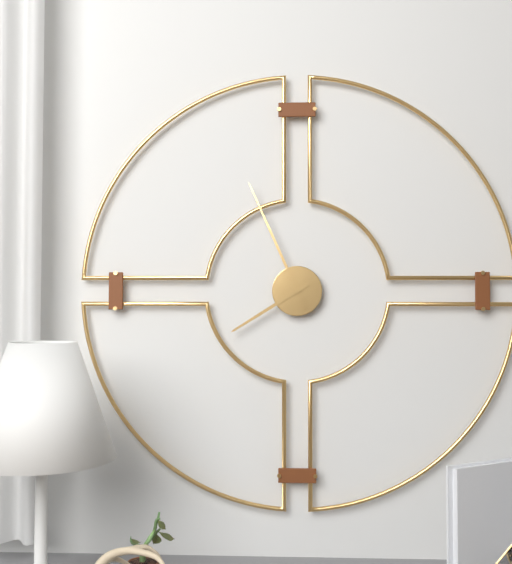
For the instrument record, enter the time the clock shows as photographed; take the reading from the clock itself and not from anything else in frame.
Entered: 7:56
